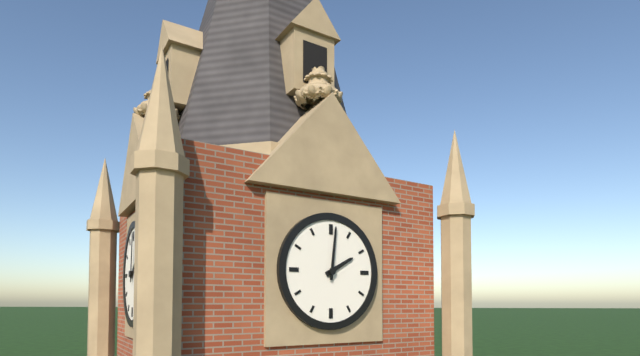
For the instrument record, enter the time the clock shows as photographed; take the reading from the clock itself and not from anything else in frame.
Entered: 2:01
